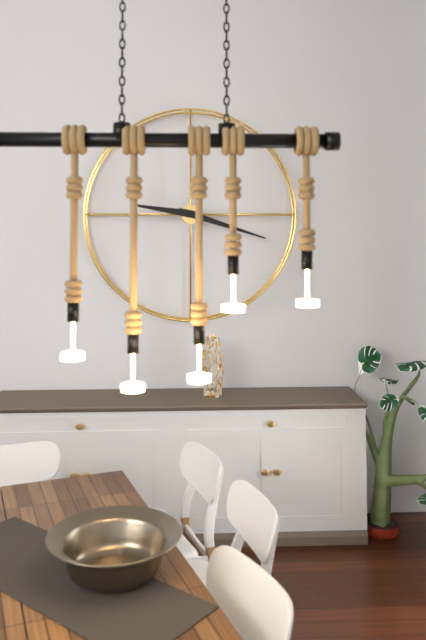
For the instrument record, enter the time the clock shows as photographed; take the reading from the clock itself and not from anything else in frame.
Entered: 9:18
